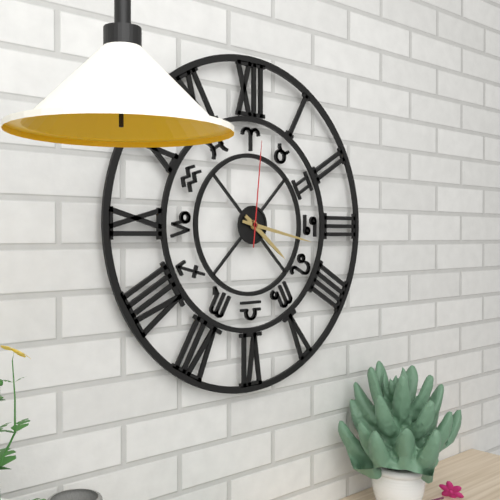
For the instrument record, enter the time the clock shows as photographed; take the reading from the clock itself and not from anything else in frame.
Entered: 4:17:01
